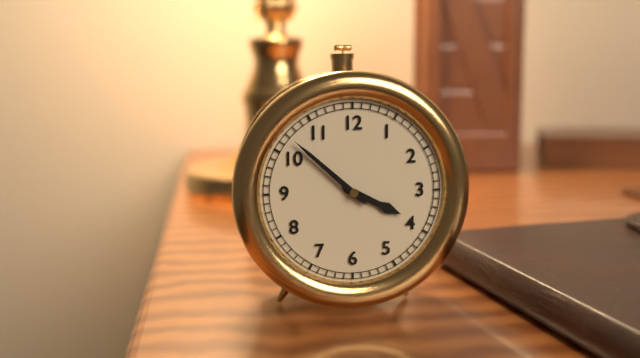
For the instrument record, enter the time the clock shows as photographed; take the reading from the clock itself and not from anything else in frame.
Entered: 3:52
